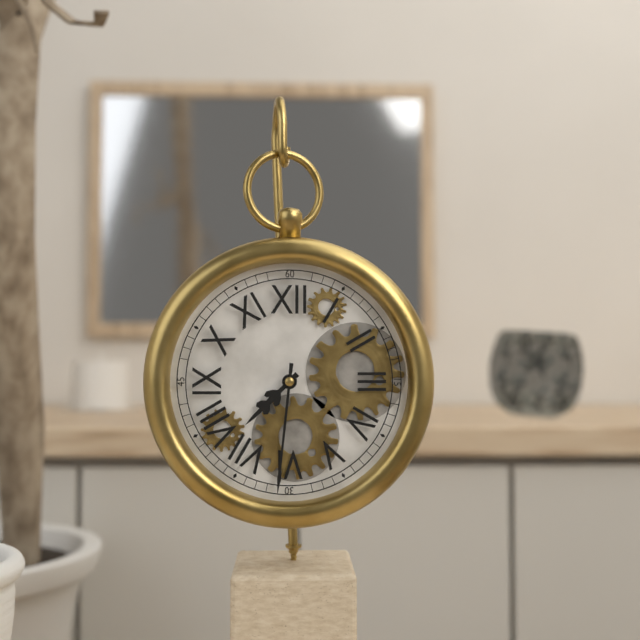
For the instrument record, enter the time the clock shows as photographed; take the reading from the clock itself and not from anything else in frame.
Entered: 7:31
